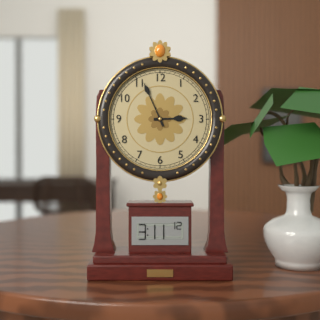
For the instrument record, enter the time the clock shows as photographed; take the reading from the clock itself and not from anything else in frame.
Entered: 2:56
